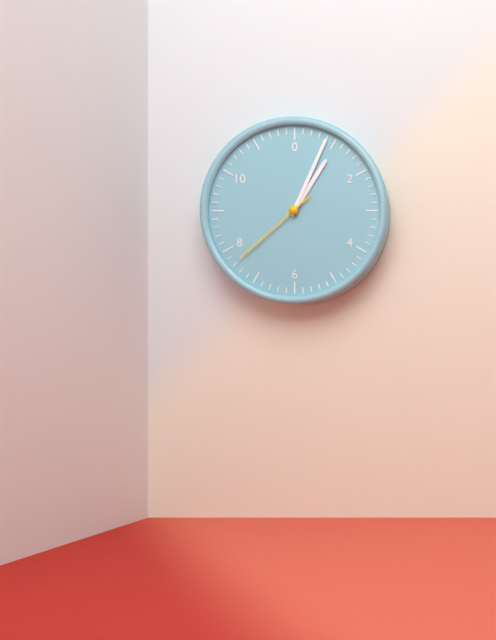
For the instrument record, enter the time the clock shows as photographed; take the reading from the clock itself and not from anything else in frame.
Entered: 1:04:38
